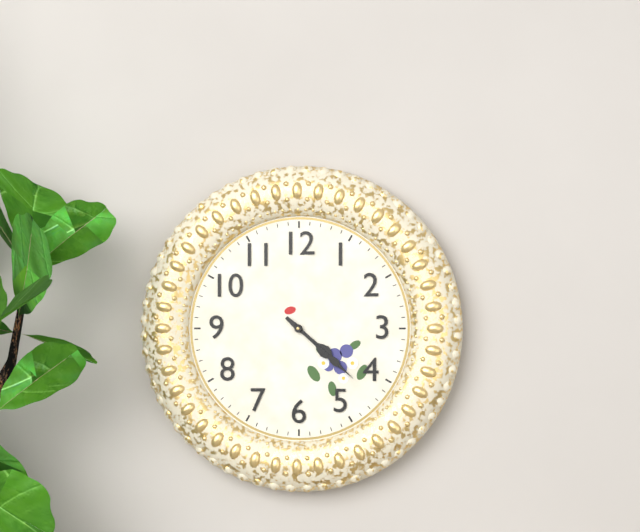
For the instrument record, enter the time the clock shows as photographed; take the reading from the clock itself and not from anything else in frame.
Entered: 4:22
